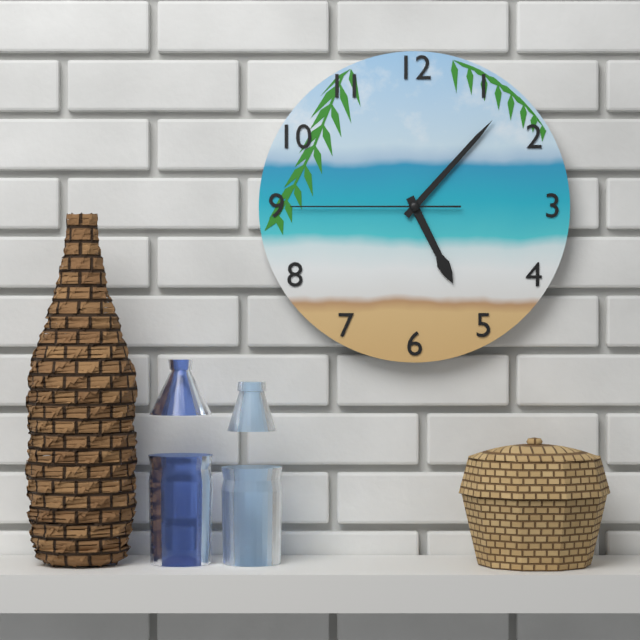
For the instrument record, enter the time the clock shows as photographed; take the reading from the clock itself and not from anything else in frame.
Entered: 5:07:45
